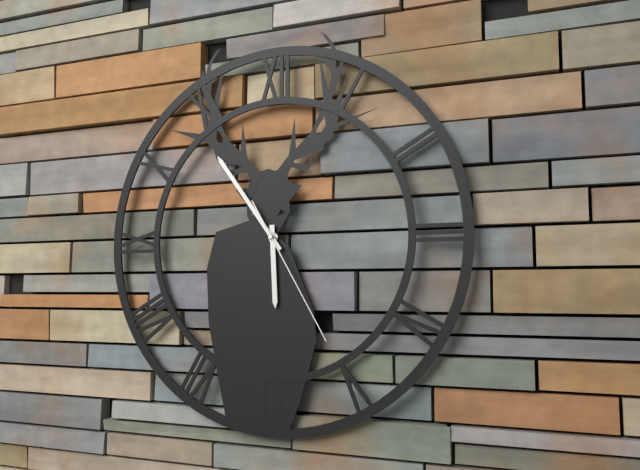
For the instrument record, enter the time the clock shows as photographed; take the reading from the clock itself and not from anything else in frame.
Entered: 5:54:25
